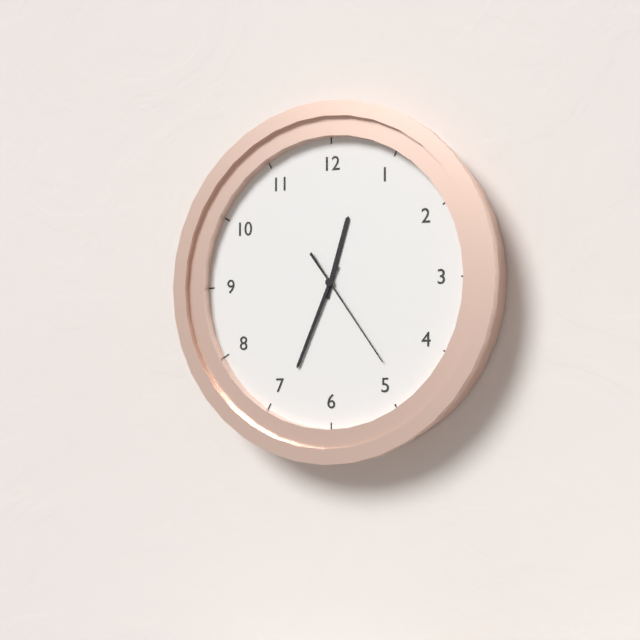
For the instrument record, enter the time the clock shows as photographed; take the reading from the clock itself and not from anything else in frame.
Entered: 12:34:24
